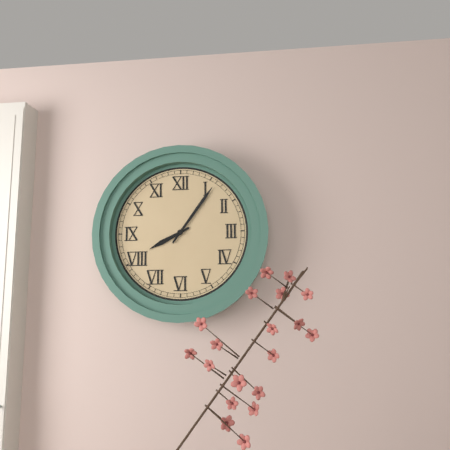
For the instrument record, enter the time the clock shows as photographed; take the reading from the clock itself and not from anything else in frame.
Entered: 8:06
